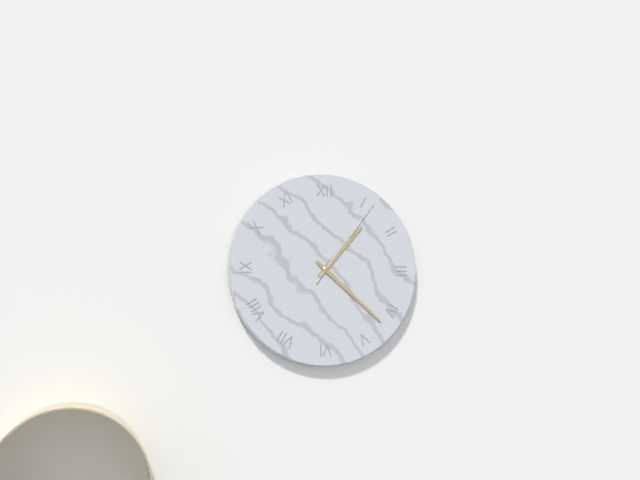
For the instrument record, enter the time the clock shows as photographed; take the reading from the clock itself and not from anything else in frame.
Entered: 1:22:06
